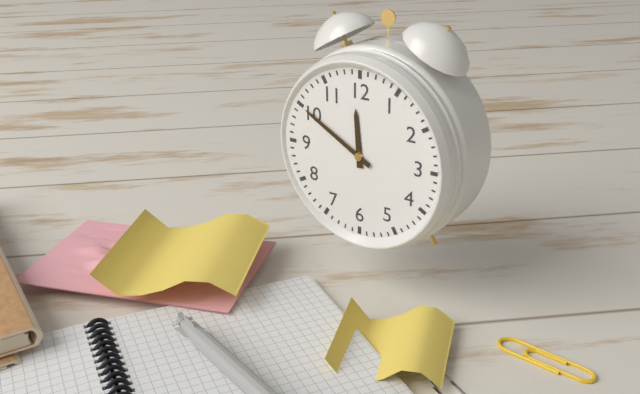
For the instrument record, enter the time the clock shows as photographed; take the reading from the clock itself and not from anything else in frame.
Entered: 11:50
